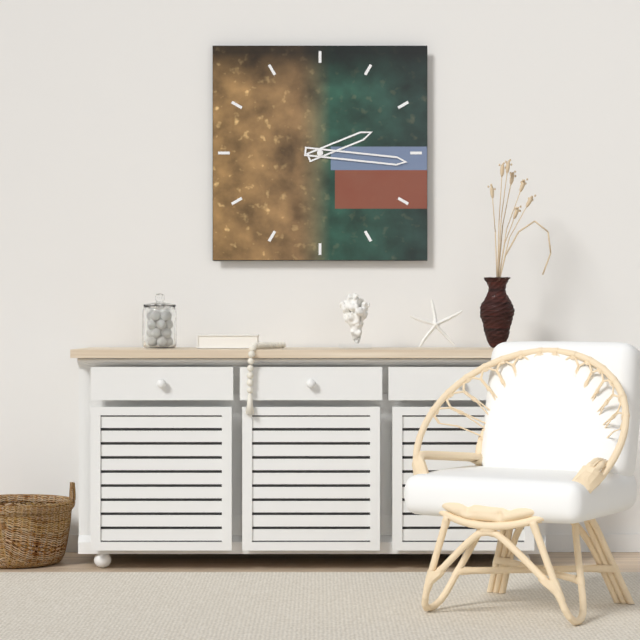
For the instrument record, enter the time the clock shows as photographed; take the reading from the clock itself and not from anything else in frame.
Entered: 2:16
